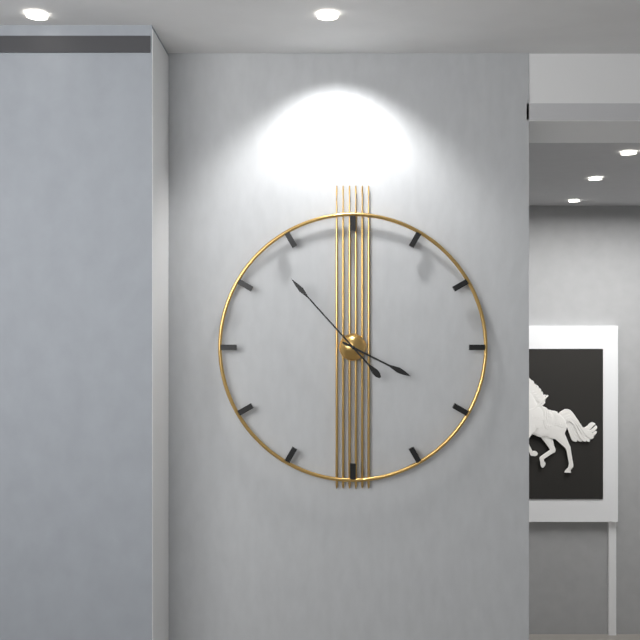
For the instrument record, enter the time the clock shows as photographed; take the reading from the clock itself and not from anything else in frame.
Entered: 3:53
